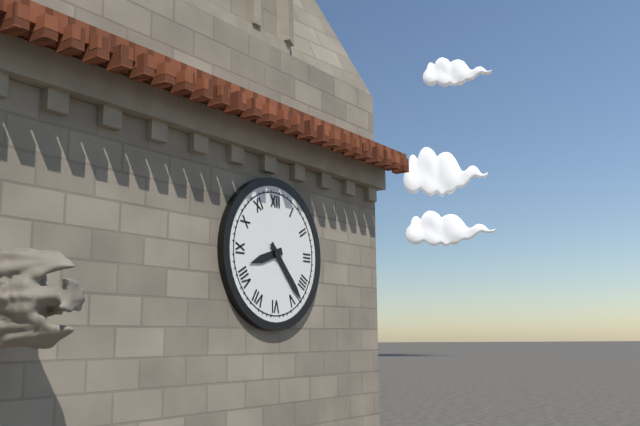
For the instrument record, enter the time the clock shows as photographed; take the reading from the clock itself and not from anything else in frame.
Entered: 8:23
